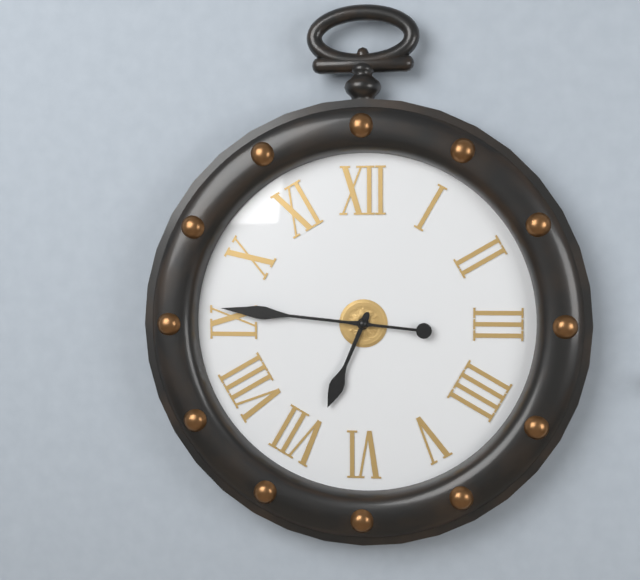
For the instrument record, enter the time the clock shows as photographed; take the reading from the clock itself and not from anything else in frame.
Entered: 6:46
